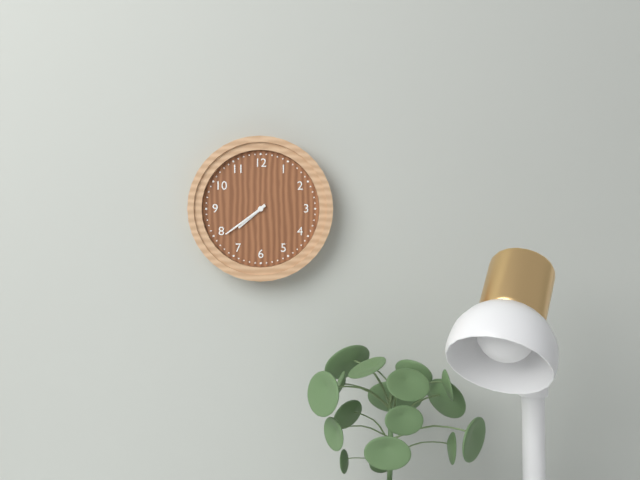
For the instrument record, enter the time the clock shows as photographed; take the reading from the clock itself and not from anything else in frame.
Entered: 7:39
